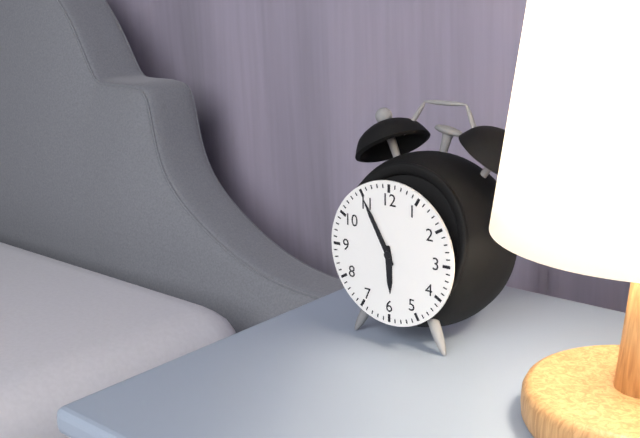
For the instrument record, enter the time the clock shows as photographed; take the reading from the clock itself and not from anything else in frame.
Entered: 5:55
